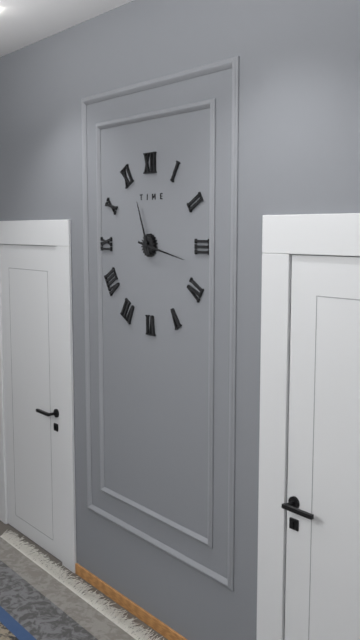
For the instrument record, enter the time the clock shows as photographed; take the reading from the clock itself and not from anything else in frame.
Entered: 11:17
